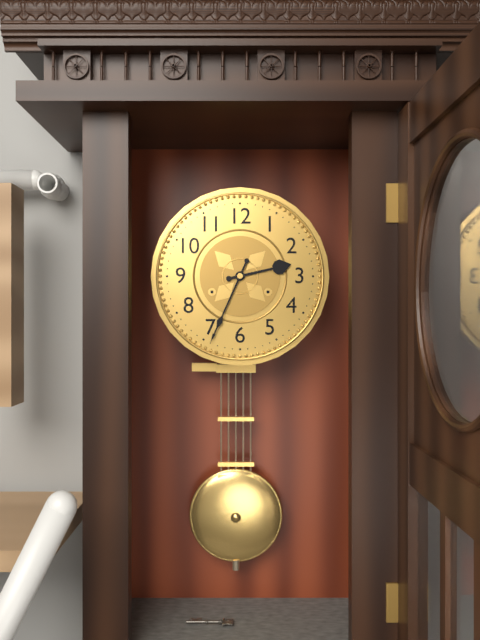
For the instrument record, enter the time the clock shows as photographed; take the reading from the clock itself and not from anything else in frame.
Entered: 2:34
